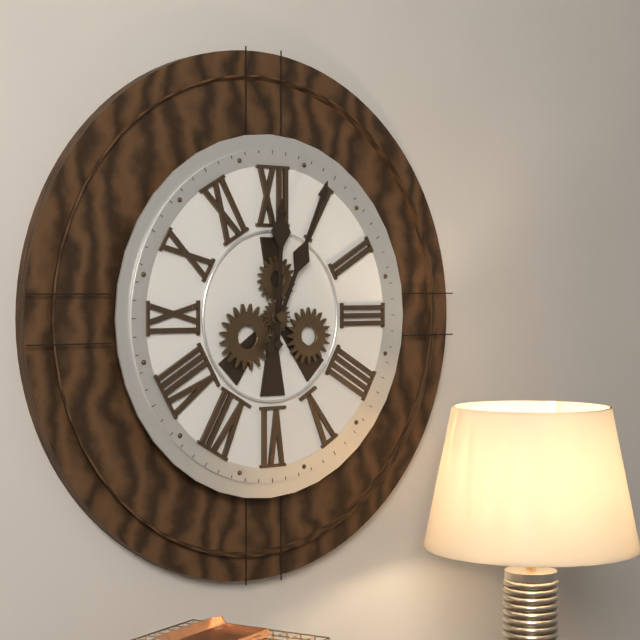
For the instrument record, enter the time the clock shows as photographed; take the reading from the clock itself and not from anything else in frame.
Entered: 12:04
